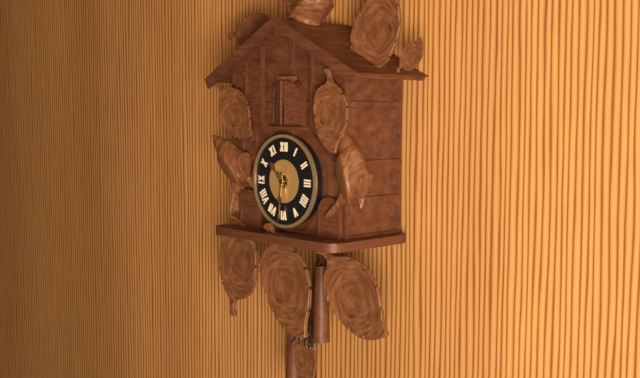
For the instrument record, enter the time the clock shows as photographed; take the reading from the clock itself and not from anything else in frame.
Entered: 10:31
